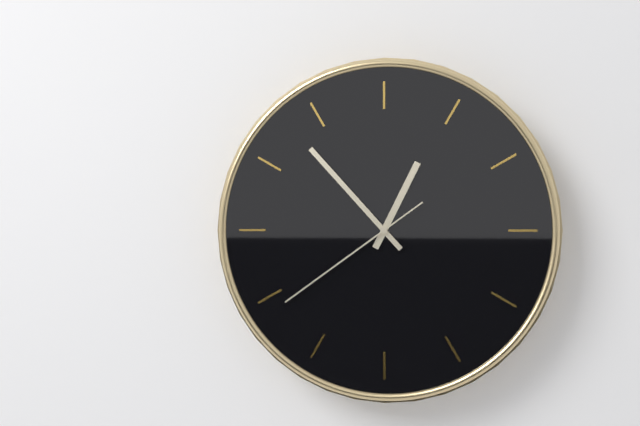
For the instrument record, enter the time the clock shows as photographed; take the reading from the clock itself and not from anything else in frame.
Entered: 12:53:39
